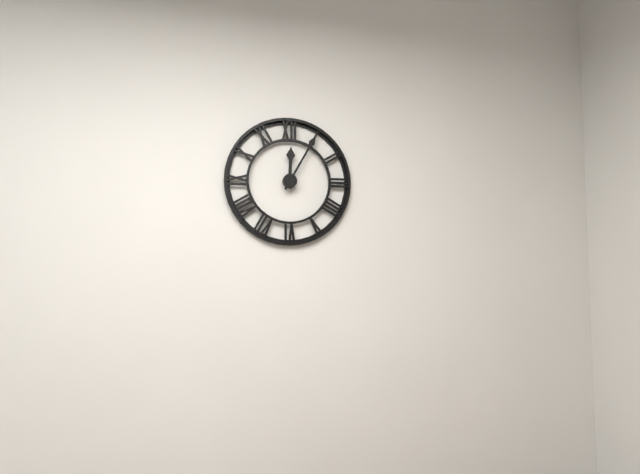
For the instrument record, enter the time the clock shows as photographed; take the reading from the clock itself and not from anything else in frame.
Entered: 12:05
